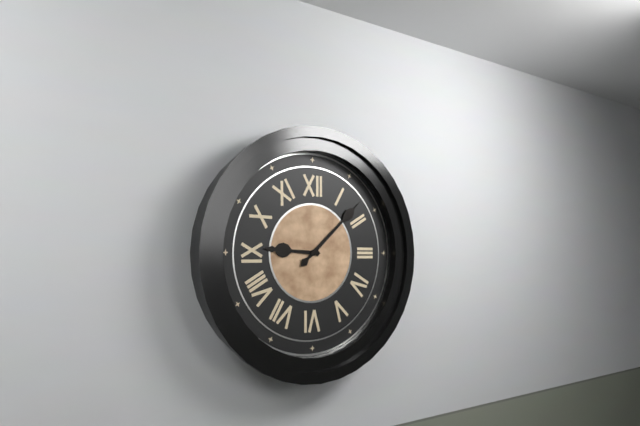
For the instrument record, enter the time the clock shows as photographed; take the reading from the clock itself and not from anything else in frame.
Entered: 9:08
